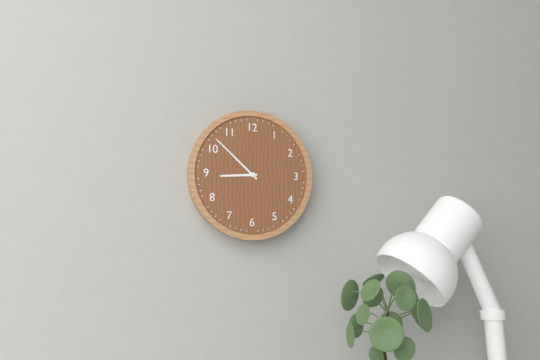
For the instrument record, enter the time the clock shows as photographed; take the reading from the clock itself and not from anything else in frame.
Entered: 8:52
